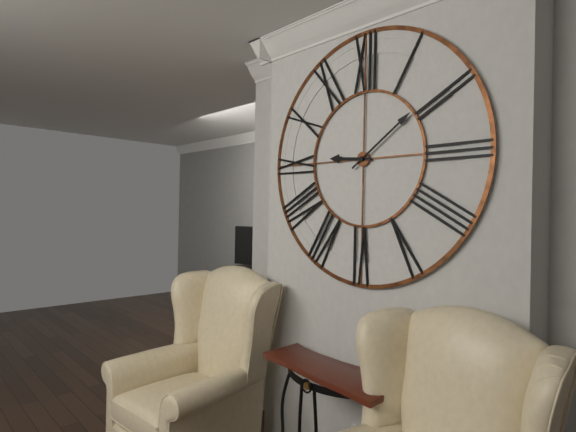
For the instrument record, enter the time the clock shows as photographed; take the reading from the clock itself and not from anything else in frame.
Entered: 9:09
